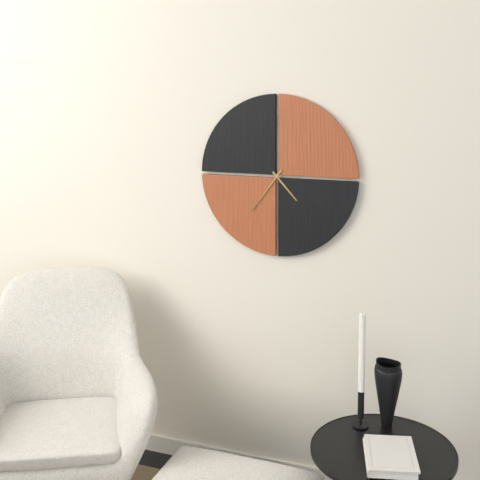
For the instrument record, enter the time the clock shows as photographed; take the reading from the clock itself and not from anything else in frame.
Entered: 4:36
